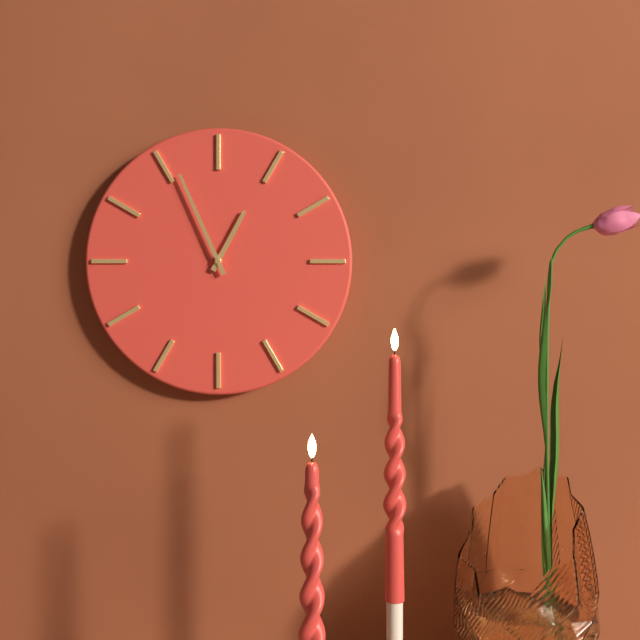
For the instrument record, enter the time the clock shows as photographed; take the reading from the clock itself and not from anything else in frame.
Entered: 12:56
